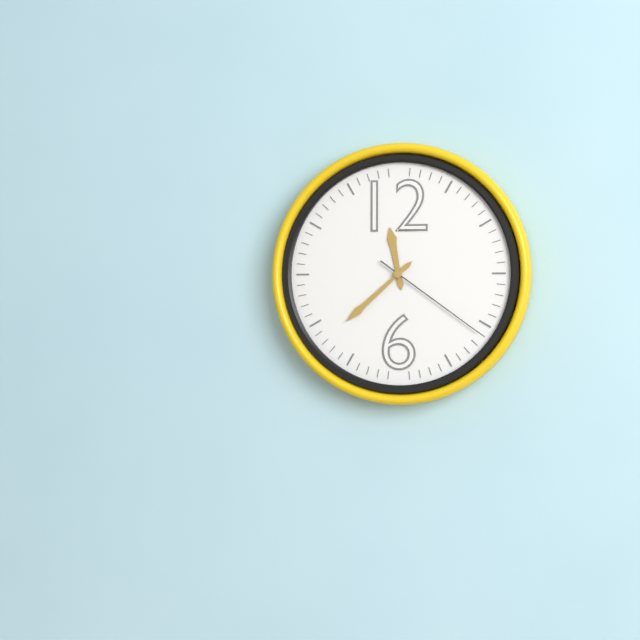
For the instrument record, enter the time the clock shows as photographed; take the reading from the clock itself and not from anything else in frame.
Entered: 11:38:21
